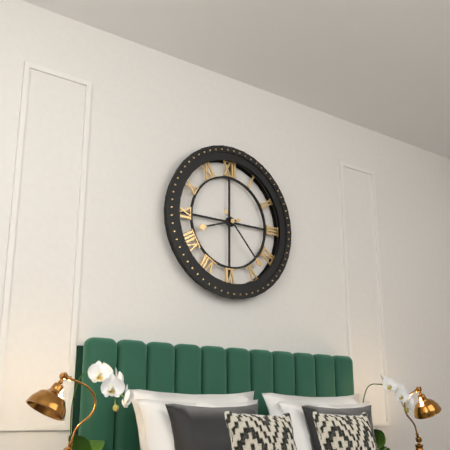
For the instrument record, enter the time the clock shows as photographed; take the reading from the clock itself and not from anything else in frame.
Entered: 8:23
